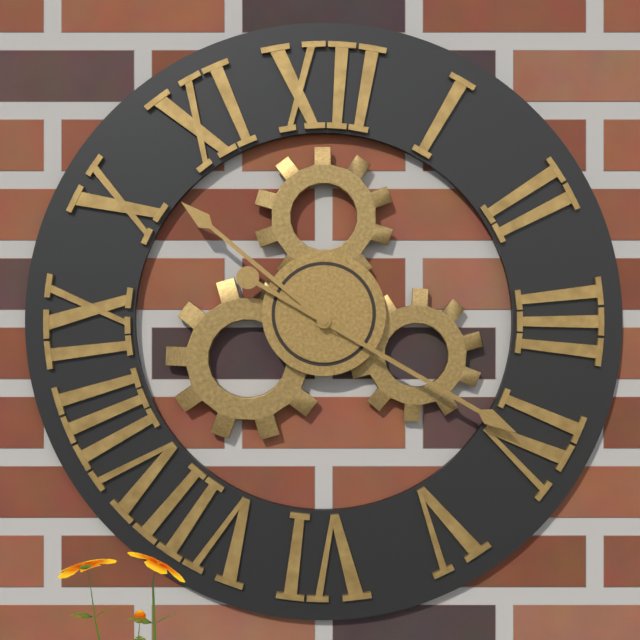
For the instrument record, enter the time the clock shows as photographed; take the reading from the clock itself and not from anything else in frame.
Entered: 10:20
